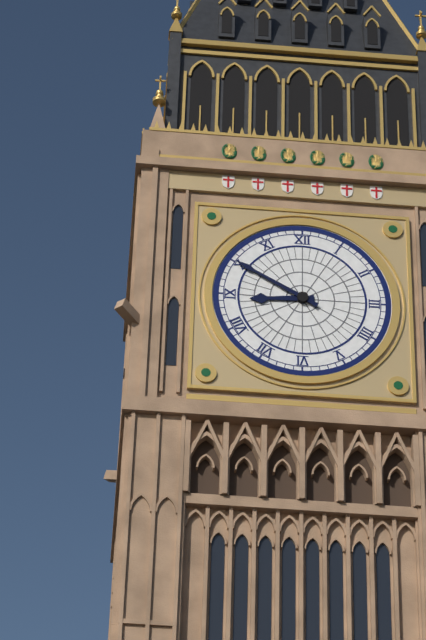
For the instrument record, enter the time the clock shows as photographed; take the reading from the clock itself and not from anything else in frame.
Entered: 8:50
